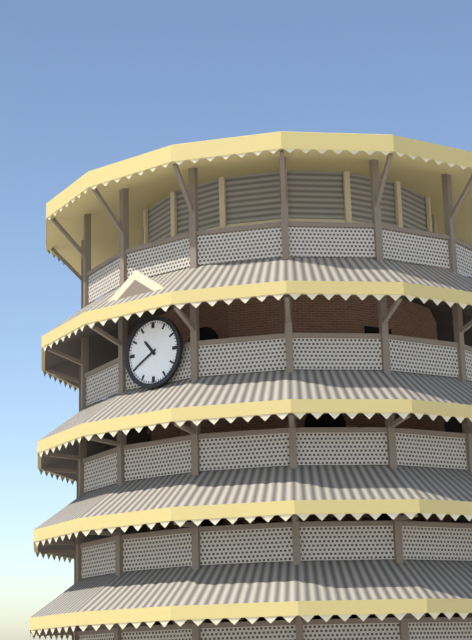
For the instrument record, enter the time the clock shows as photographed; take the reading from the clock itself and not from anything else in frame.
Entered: 10:40
